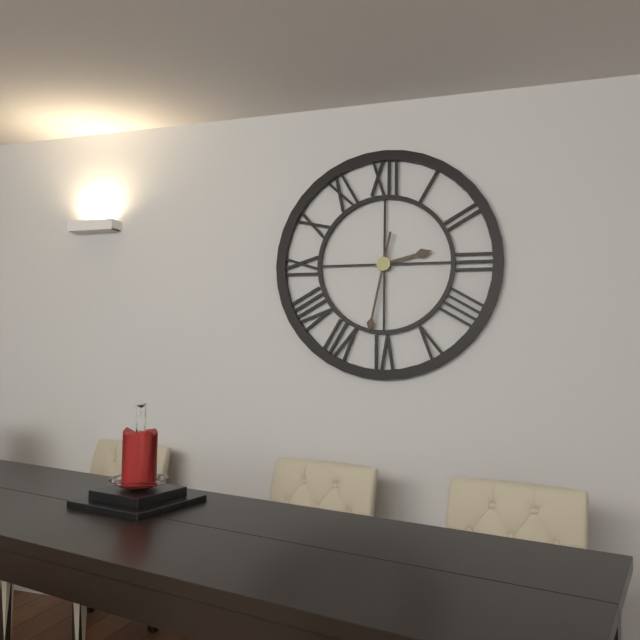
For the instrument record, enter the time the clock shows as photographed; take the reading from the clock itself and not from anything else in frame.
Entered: 2:32
